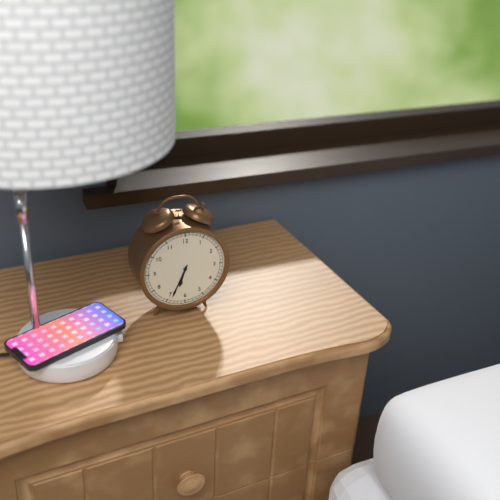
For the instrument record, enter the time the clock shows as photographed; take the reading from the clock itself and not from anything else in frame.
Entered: 6:34
